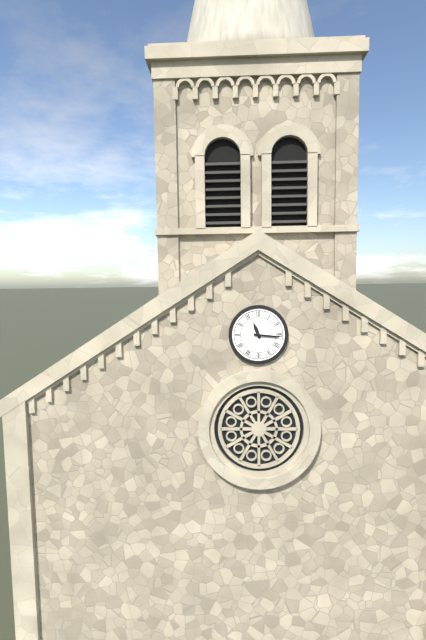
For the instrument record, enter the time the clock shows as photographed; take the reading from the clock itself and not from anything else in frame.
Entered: 11:16
